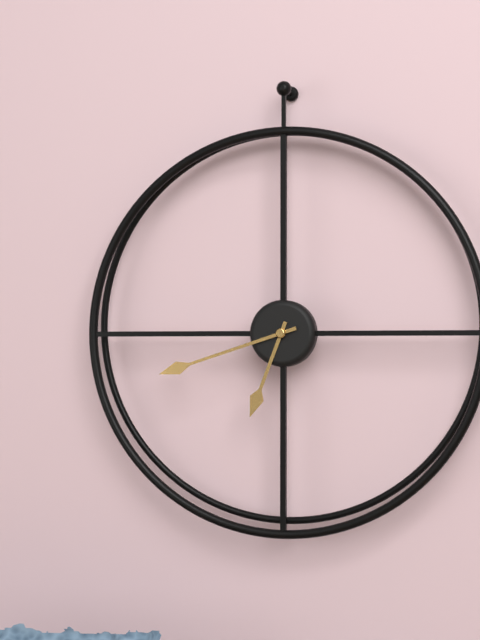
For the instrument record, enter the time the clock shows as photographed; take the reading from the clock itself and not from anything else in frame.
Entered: 6:42
